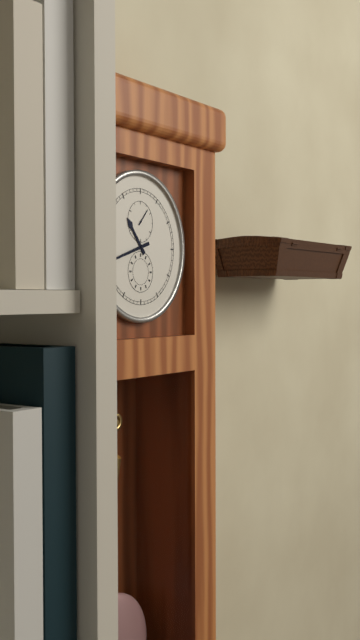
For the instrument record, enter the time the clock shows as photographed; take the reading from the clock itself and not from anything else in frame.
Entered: 10:42
